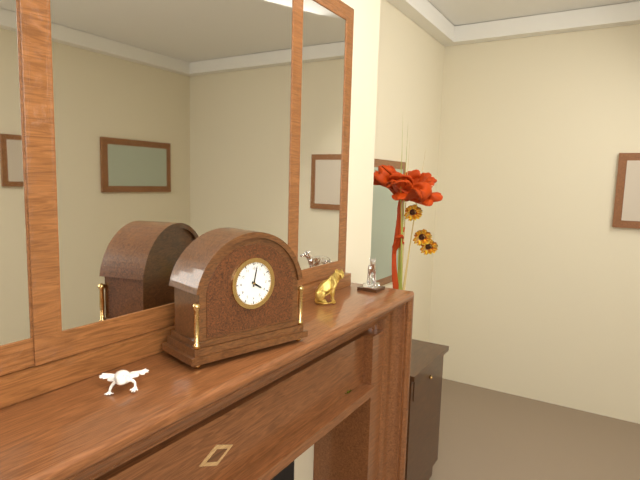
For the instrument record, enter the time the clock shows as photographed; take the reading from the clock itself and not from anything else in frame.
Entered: 4:02
